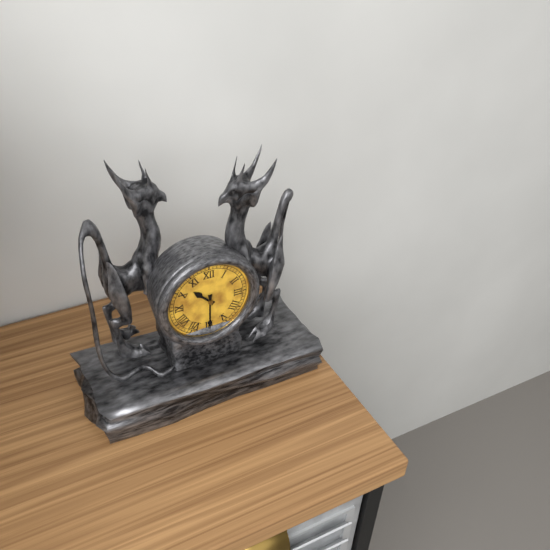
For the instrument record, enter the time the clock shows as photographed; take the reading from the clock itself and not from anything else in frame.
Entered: 10:30
